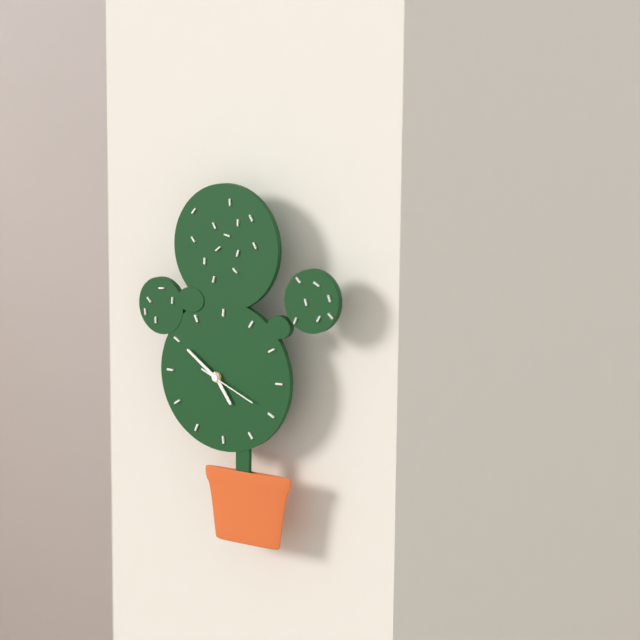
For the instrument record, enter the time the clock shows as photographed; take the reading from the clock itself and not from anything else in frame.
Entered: 4:51
